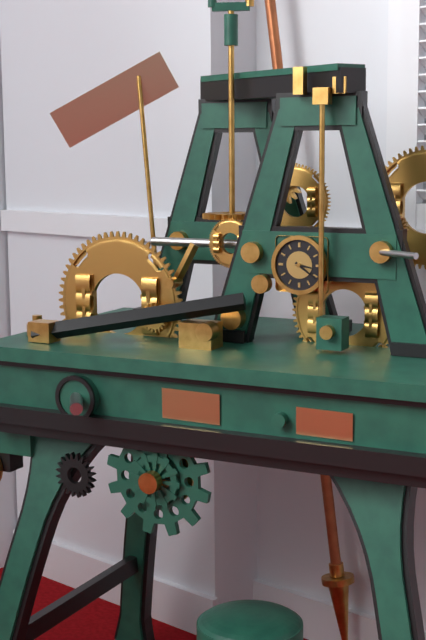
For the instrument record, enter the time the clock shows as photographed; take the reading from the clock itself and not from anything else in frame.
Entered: 3:21
